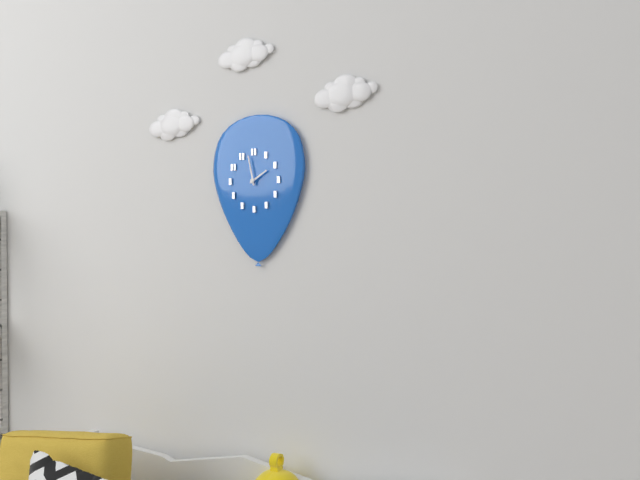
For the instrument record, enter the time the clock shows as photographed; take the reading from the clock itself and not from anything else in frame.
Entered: 1:58
